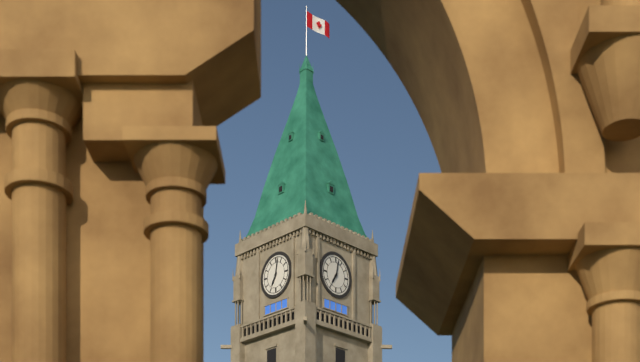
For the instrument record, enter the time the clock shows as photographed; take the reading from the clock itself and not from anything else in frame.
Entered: 7:02
